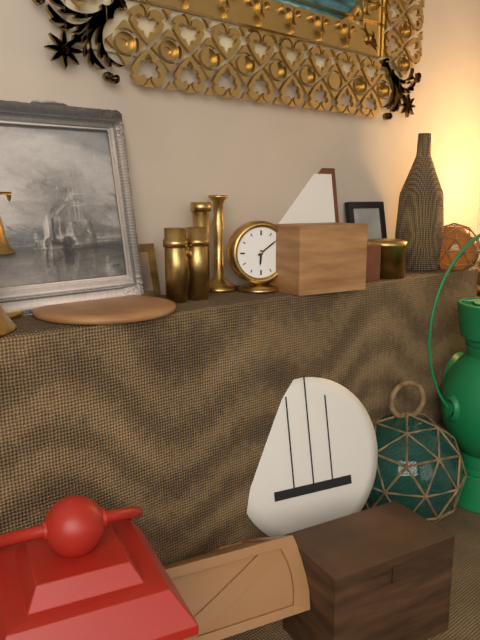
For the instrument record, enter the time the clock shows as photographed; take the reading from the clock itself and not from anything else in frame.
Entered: 6:09
